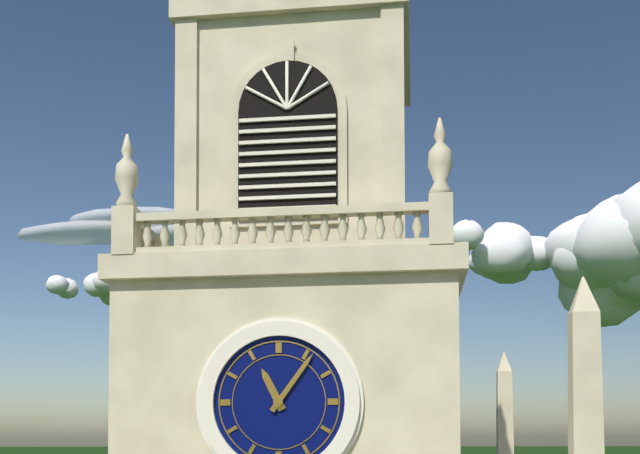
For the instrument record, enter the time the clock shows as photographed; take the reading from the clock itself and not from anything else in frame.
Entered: 11:06
